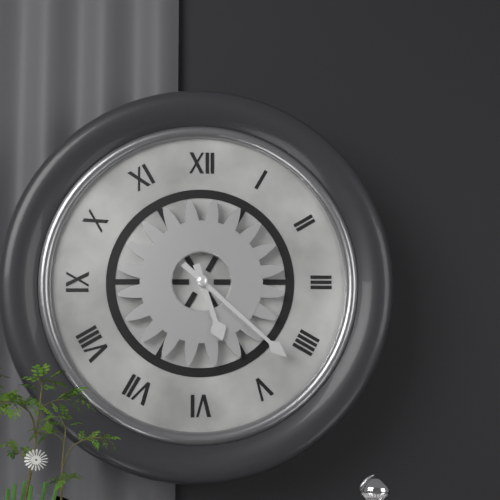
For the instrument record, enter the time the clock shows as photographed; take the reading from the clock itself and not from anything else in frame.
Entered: 5:22
